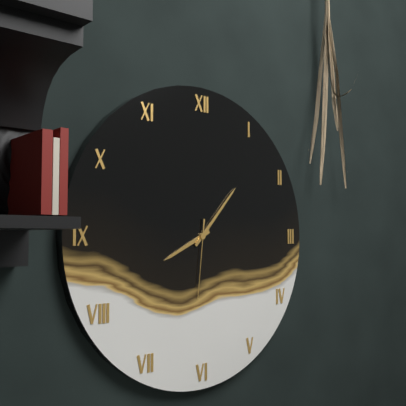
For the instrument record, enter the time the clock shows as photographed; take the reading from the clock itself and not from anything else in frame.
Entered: 8:07:31
